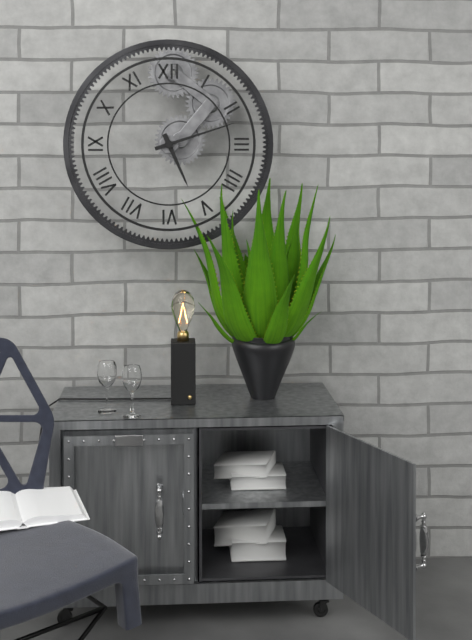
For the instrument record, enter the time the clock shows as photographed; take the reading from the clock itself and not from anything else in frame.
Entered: 5:12
